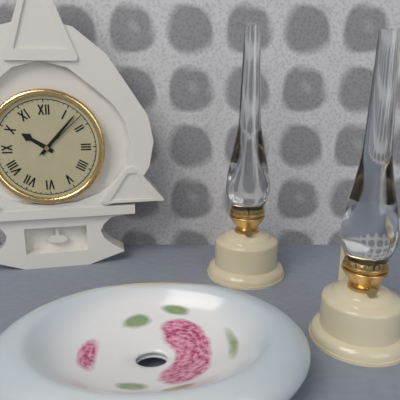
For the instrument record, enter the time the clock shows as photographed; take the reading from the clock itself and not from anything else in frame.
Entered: 10:07:08
